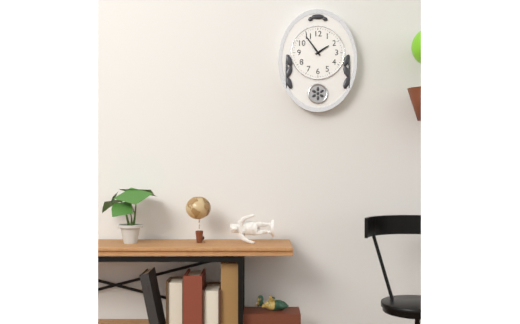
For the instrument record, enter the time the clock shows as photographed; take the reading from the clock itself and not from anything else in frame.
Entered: 1:54
